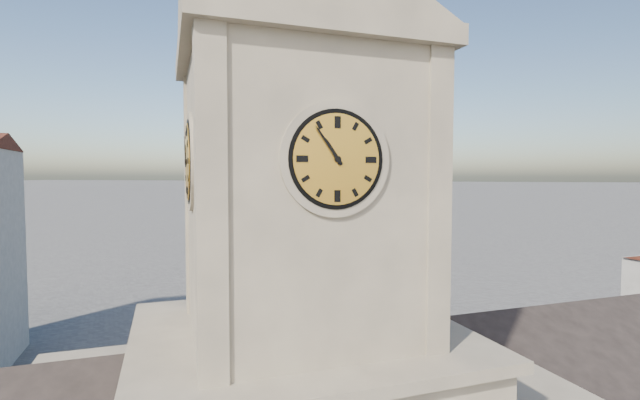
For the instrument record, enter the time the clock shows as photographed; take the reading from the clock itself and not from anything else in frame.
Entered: 10:54
